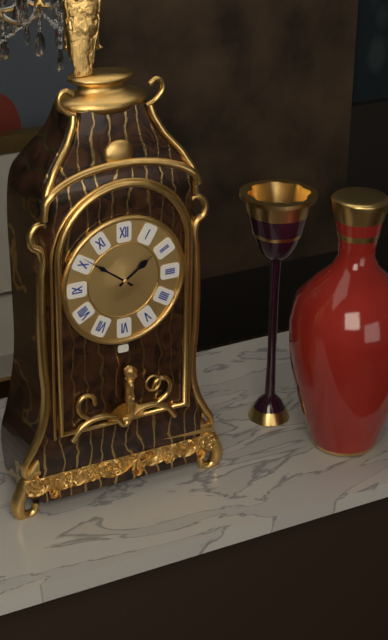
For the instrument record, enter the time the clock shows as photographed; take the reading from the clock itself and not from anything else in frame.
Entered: 1:51
